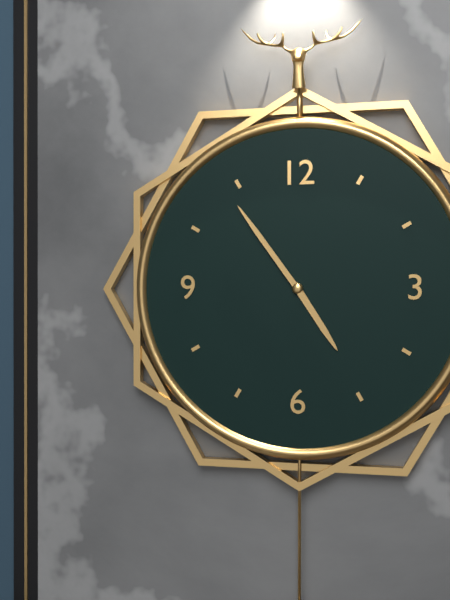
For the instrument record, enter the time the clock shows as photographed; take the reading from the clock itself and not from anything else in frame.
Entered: 4:54
